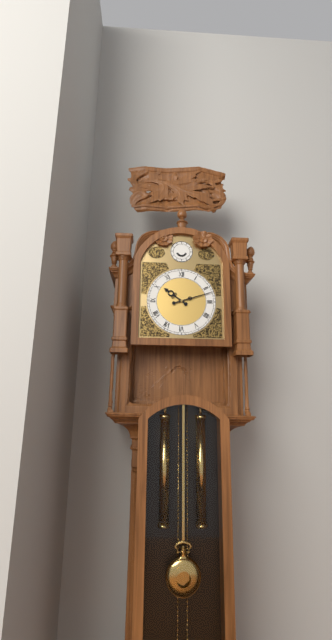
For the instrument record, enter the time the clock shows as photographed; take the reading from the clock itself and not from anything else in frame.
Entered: 10:12
